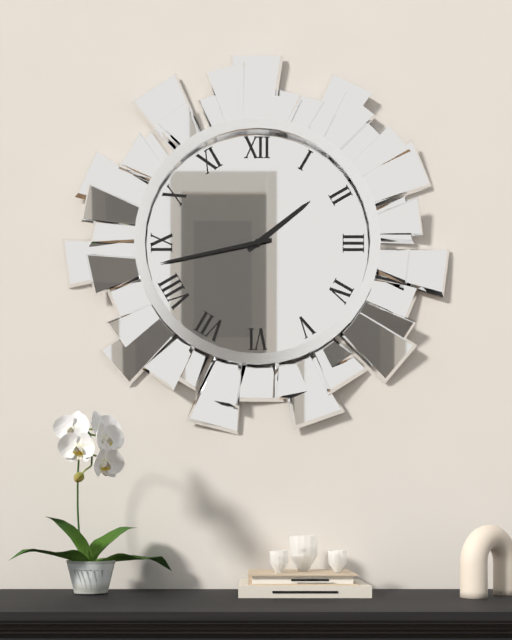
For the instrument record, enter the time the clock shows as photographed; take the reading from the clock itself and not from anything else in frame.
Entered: 1:43
